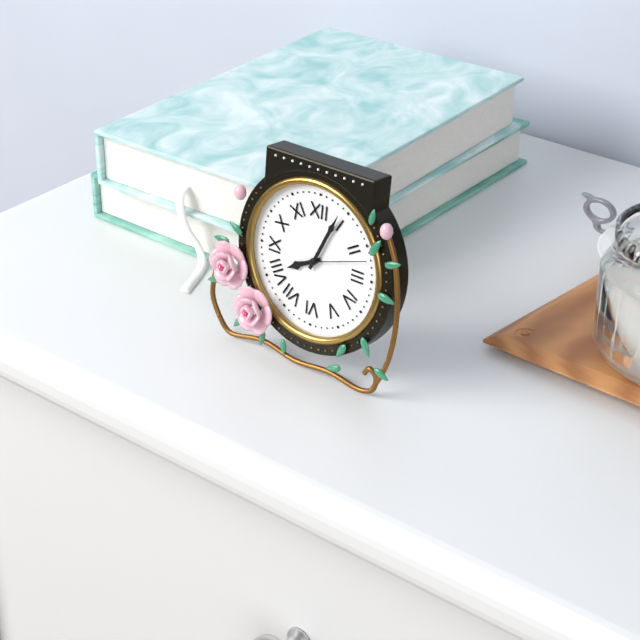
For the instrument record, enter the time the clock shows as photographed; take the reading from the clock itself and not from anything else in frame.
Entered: 8:04:12
